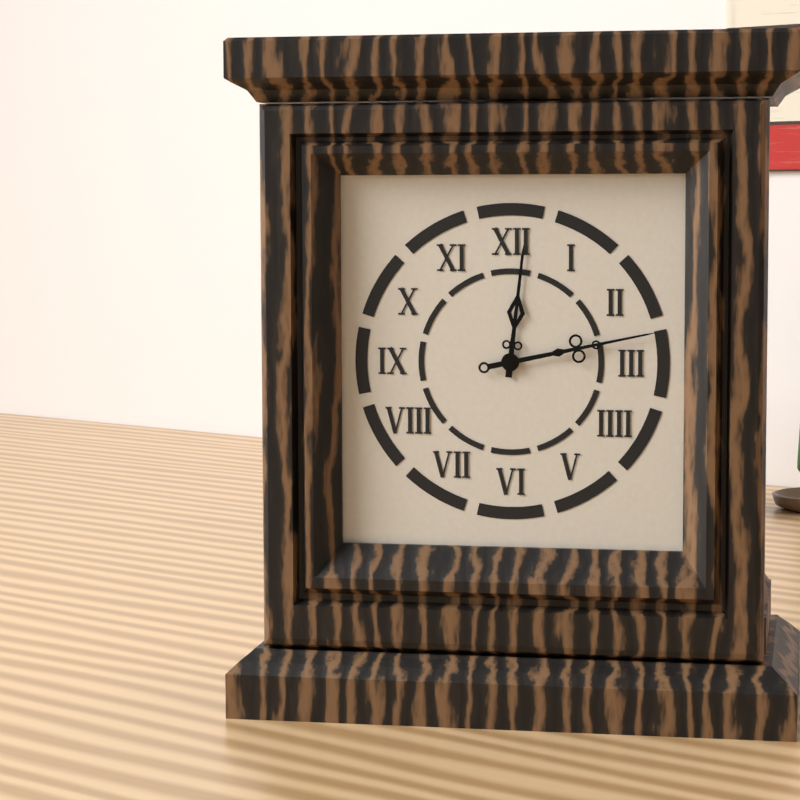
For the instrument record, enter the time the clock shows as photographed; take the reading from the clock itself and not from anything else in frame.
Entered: 12:13
